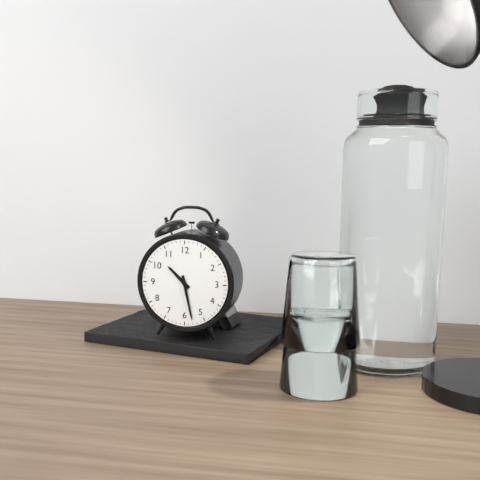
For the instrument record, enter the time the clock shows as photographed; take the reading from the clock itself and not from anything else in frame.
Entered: 10:28
